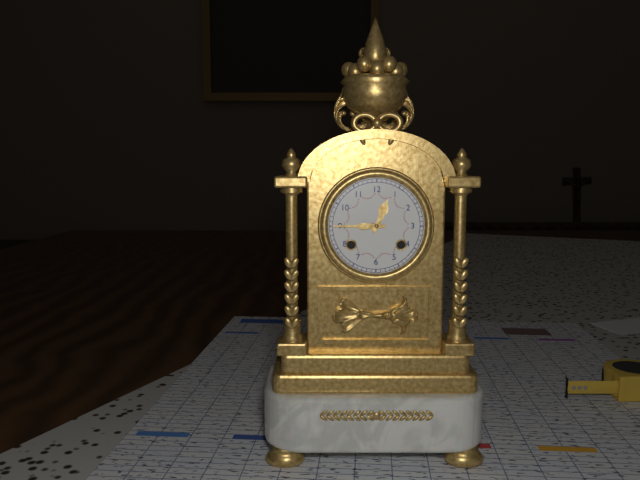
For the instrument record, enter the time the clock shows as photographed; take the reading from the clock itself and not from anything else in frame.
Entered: 12:45
